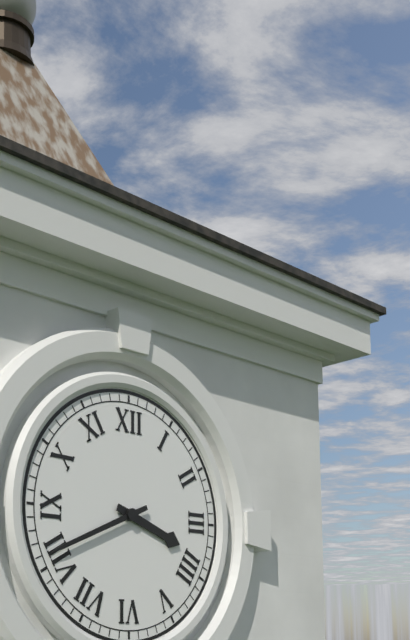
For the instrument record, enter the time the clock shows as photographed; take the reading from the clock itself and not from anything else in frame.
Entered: 3:41
